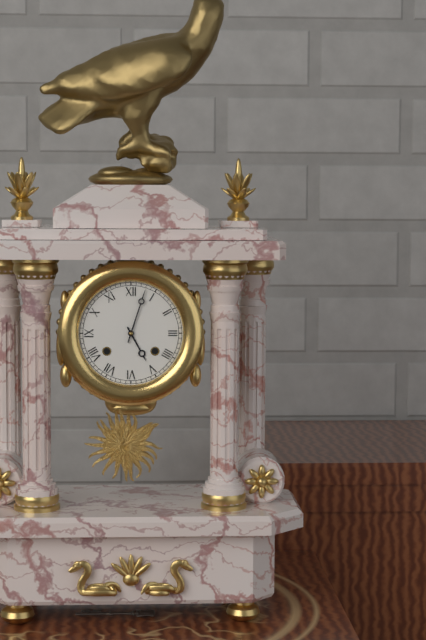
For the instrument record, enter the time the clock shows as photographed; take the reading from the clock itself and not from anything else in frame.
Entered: 5:03
